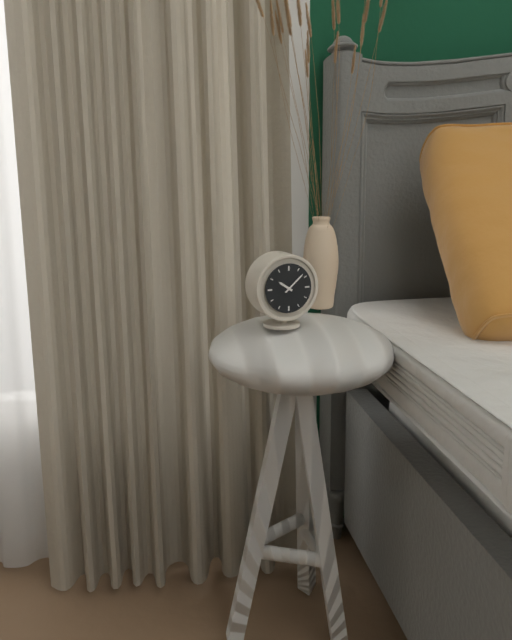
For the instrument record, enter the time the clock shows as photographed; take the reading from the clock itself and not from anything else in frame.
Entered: 10:08
